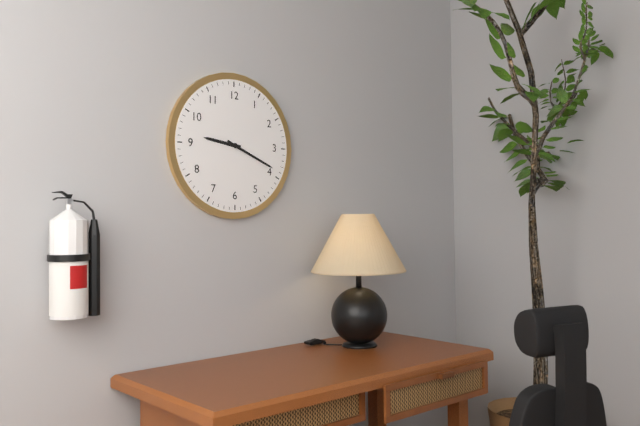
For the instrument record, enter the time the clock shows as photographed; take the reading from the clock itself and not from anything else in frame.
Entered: 9:19
